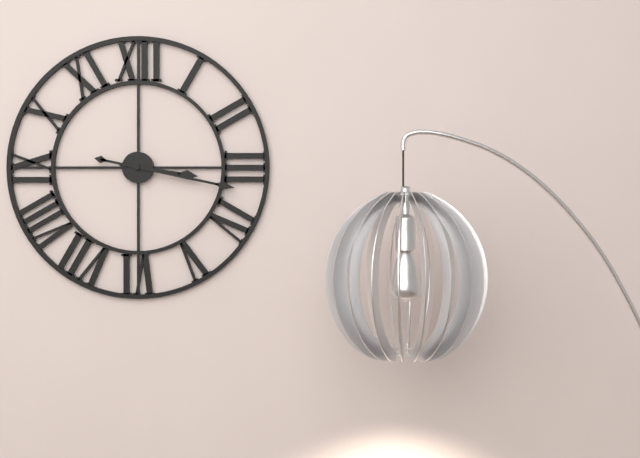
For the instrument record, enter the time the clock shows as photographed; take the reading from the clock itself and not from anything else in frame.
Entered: 3:17
